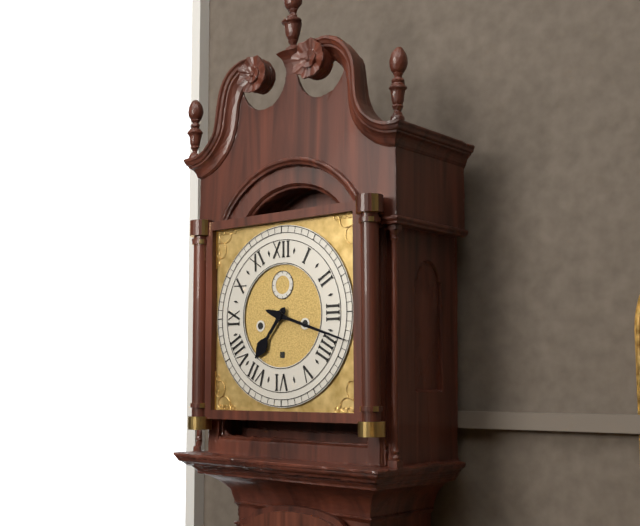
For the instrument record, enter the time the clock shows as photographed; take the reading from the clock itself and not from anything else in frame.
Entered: 7:18
